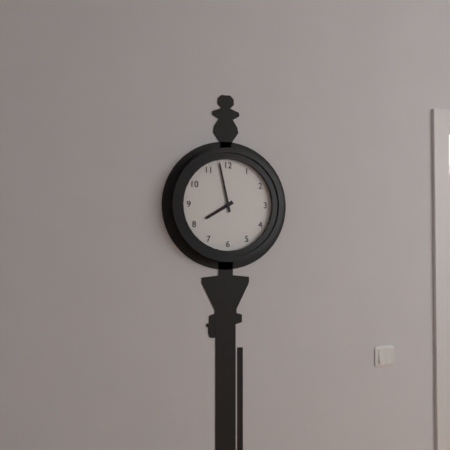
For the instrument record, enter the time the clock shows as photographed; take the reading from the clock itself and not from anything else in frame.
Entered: 7:58
